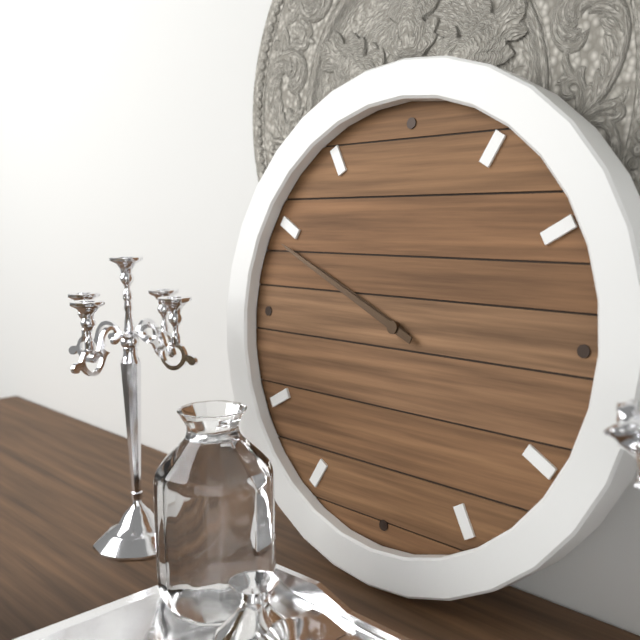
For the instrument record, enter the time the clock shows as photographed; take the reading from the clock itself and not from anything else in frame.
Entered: 9:49
